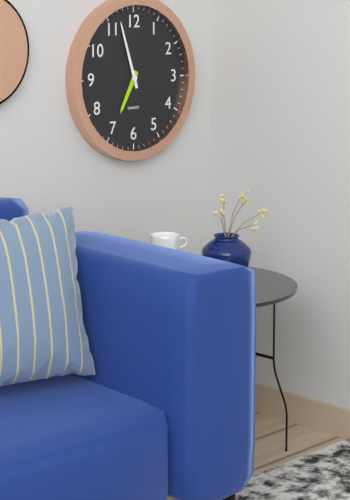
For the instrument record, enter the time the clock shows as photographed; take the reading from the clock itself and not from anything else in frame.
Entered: 6:57
